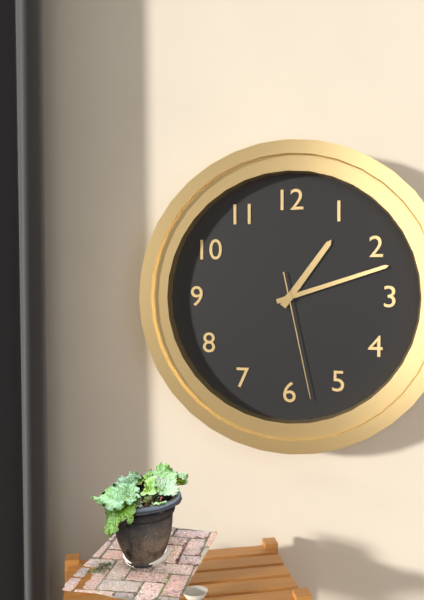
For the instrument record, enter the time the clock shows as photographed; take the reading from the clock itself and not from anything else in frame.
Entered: 1:12:28
